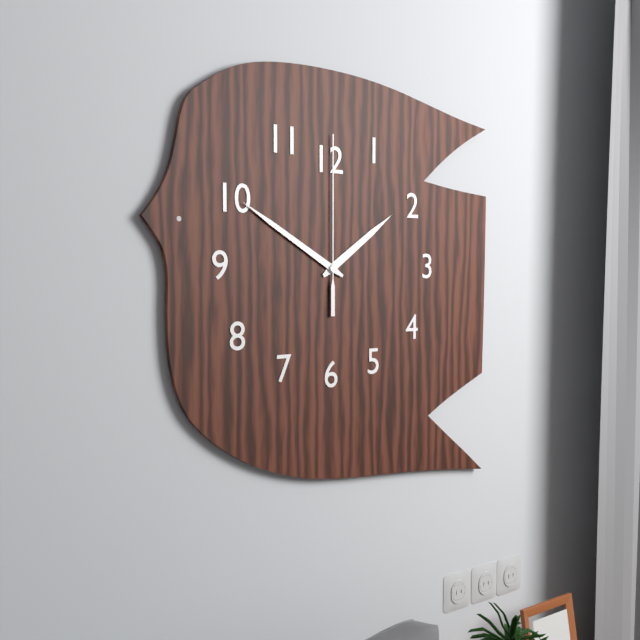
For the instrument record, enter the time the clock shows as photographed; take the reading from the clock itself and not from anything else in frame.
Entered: 1:50:00
